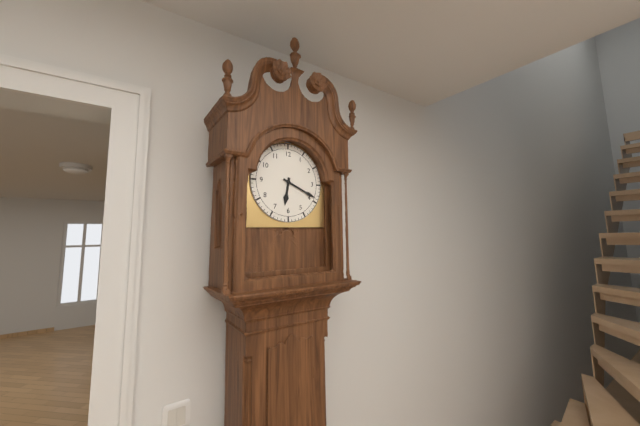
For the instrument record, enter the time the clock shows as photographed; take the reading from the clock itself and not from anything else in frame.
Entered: 6:19
